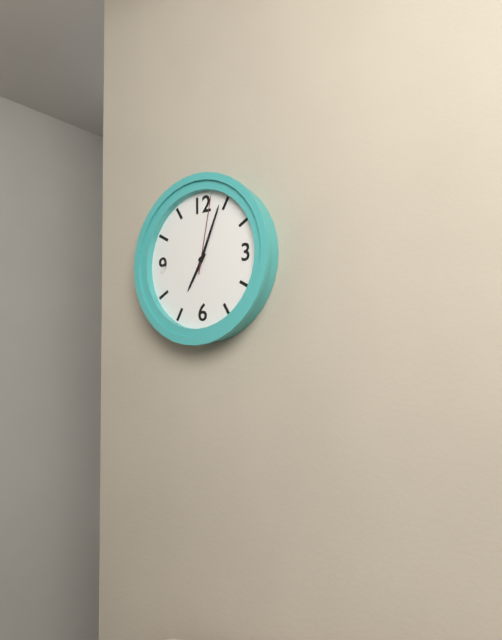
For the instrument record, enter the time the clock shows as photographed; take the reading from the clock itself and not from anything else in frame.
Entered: 7:04:02
